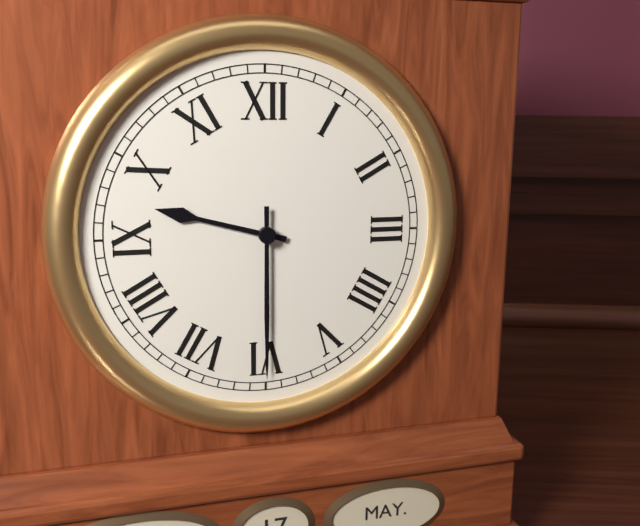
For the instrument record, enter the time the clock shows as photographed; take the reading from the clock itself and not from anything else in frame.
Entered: 9:30
